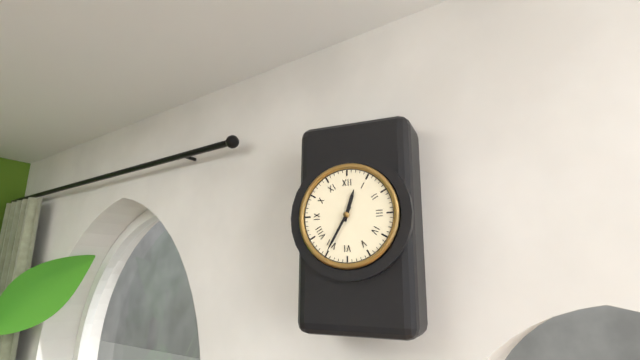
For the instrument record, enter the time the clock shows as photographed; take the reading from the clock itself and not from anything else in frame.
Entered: 12:35
